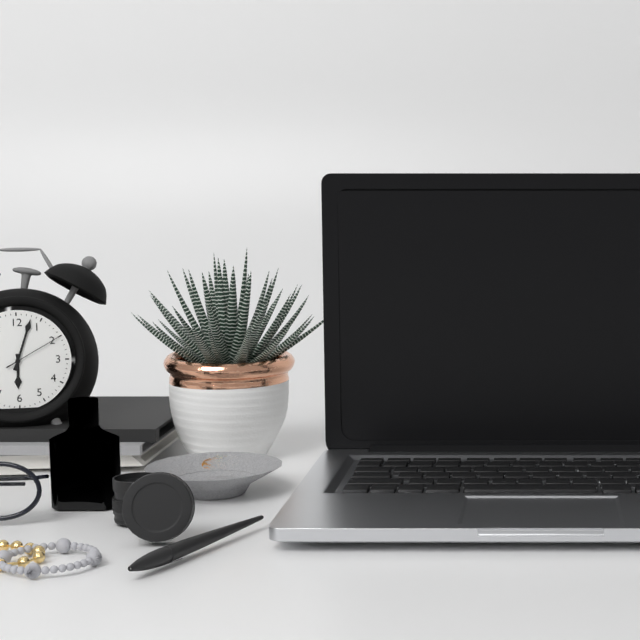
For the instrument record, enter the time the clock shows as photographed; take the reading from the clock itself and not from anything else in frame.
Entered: 6:03:10
